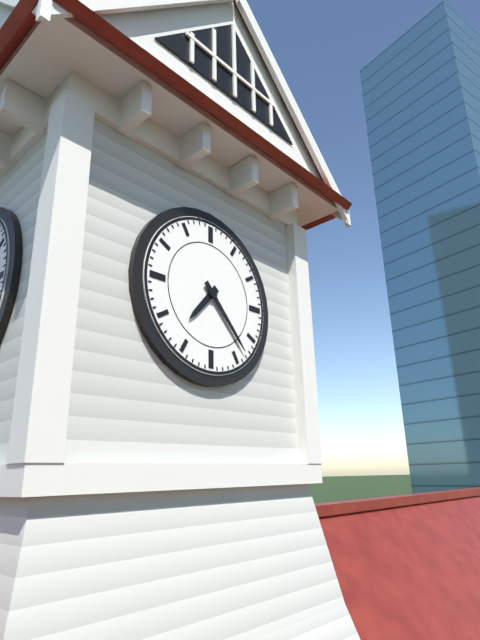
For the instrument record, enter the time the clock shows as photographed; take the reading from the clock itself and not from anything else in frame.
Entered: 7:23
